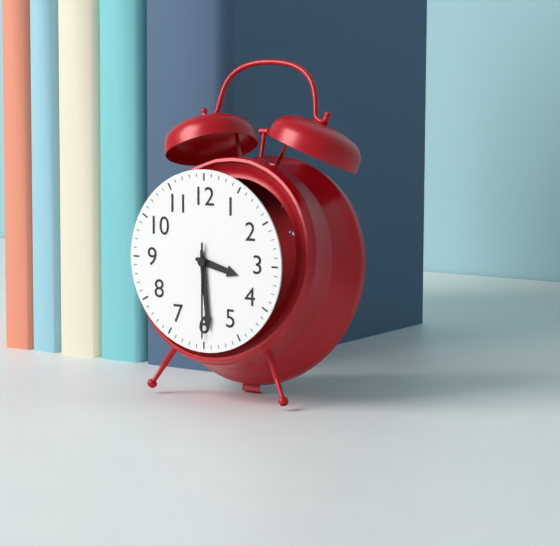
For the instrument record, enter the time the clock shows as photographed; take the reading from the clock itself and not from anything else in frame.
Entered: 3:29:30
